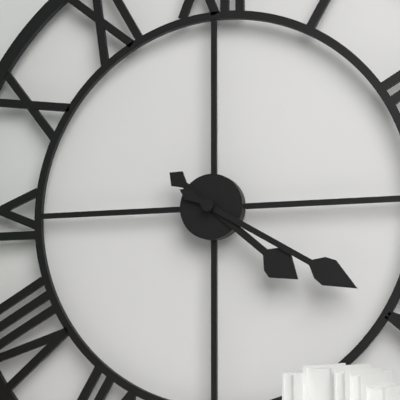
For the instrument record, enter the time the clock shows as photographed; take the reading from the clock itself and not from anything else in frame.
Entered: 4:20
